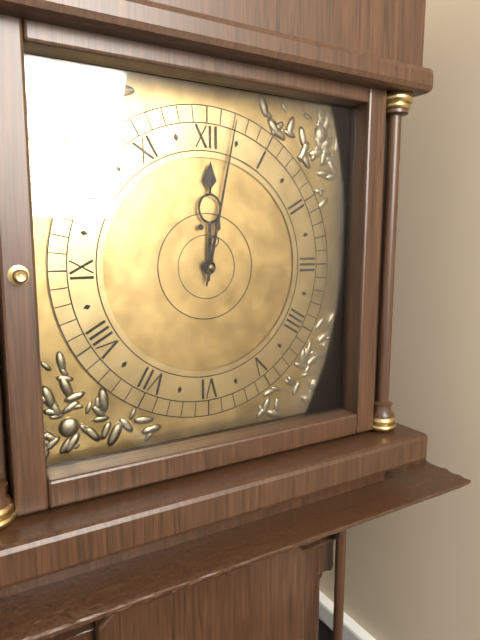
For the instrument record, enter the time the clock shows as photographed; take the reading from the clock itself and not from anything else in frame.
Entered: 12:02
